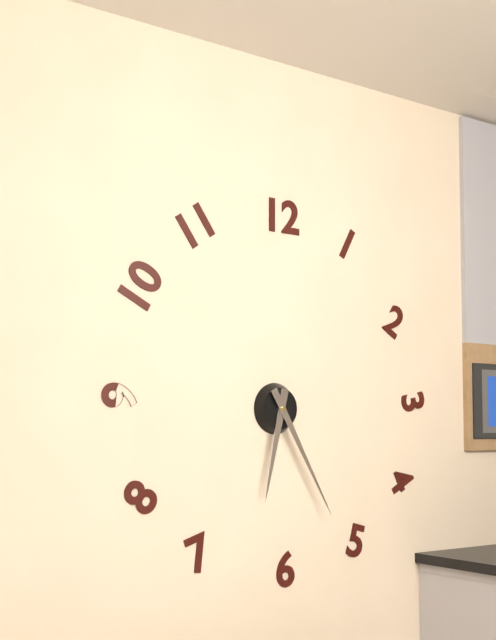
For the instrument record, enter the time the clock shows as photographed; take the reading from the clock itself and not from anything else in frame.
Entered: 6:25
